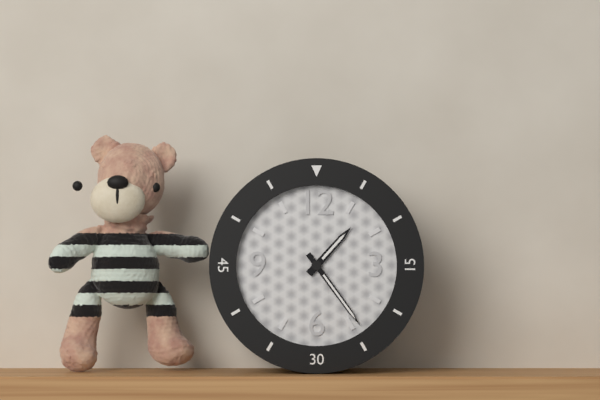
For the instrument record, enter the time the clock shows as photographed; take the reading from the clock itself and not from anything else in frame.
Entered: 1:24
